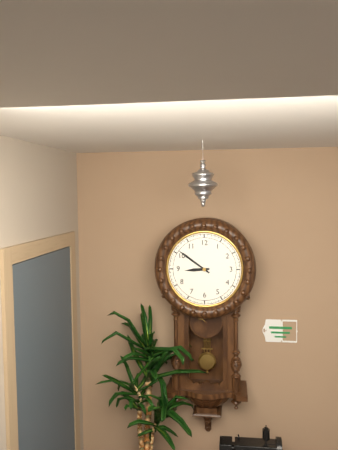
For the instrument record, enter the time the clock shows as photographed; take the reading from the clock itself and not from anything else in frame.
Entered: 8:51
